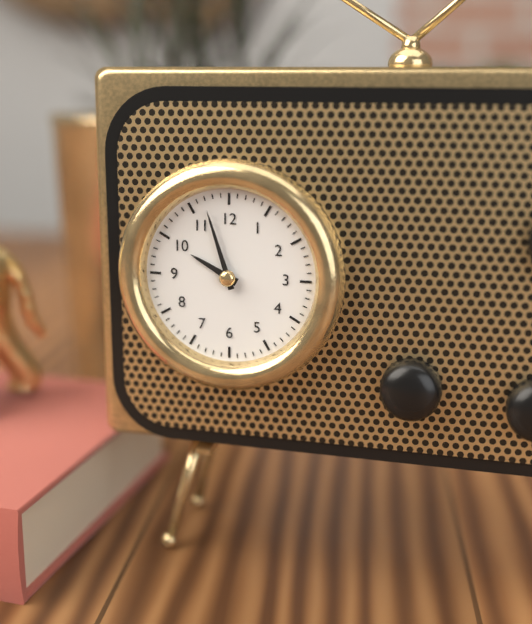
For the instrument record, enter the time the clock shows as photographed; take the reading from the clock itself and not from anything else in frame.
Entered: 9:57
